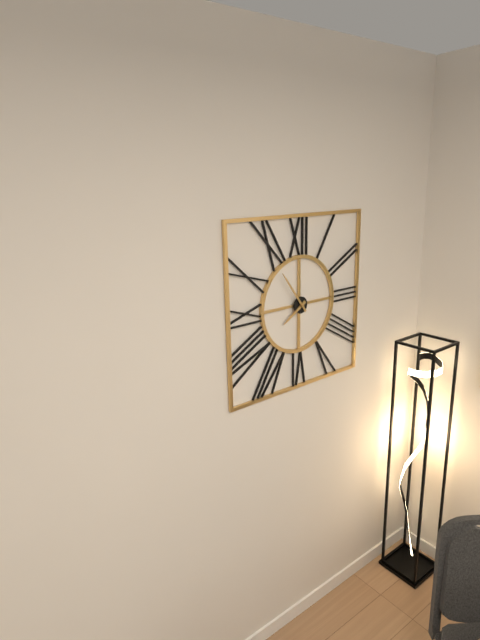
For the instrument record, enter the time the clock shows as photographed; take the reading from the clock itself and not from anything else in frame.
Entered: 7:54
